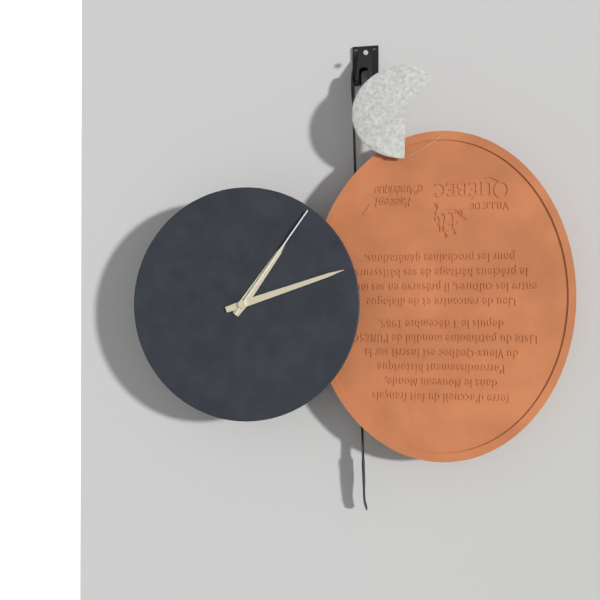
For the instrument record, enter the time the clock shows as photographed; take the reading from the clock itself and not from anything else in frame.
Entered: 1:12:06
